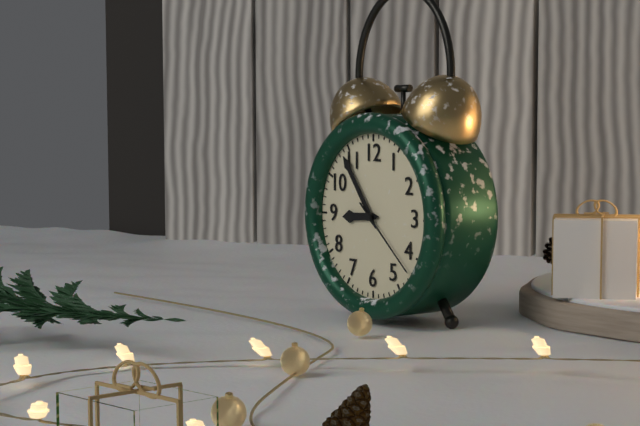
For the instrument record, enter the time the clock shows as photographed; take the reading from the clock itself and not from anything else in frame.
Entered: 8:54:22
